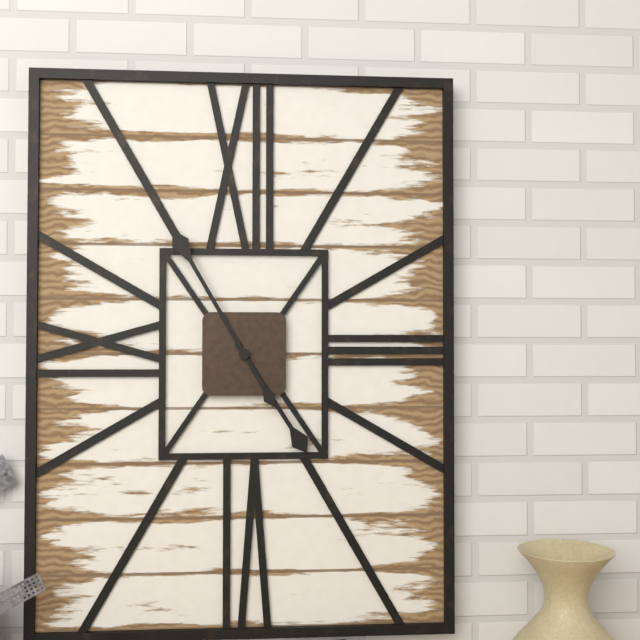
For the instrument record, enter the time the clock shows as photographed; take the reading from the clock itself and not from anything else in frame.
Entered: 4:55
